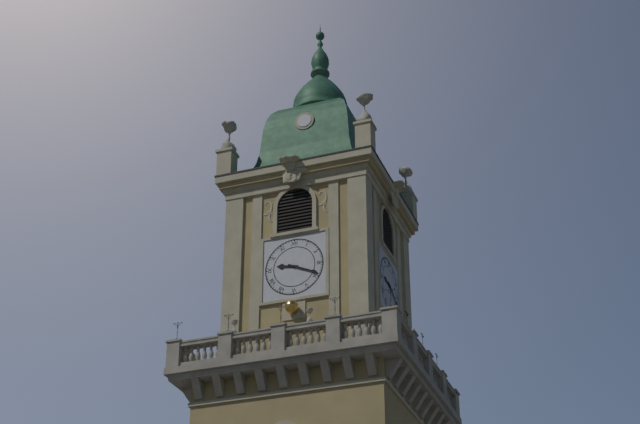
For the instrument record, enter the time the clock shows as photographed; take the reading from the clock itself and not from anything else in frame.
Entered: 9:19
